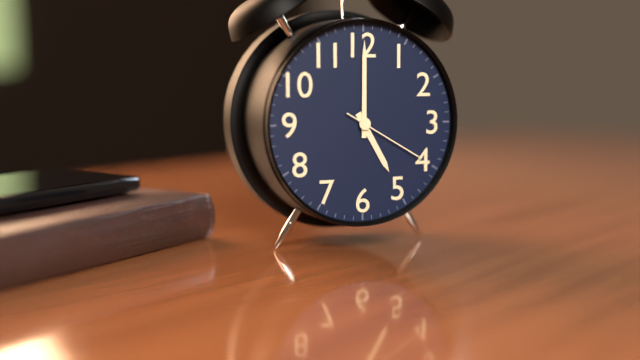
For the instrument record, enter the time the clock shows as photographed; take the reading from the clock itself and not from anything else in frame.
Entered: 5:00:20
